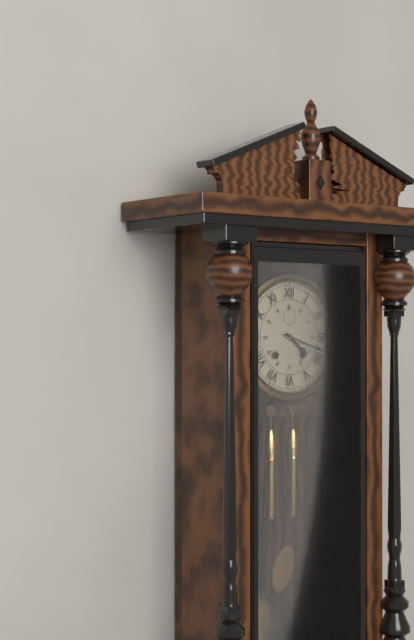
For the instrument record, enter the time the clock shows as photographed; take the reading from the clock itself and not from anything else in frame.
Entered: 4:18
